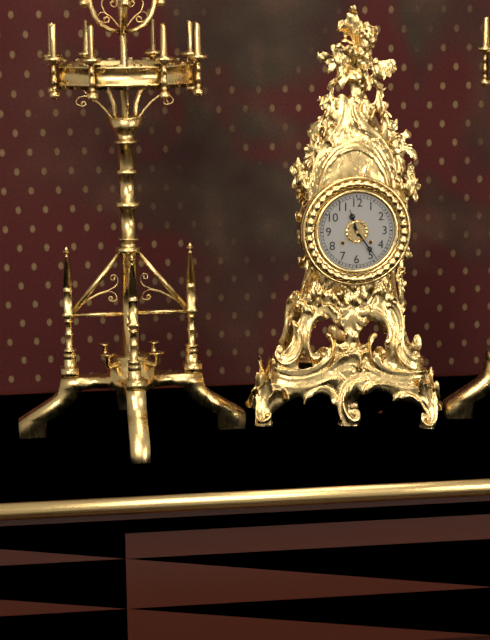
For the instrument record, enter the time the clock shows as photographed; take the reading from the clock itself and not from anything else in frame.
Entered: 11:24
